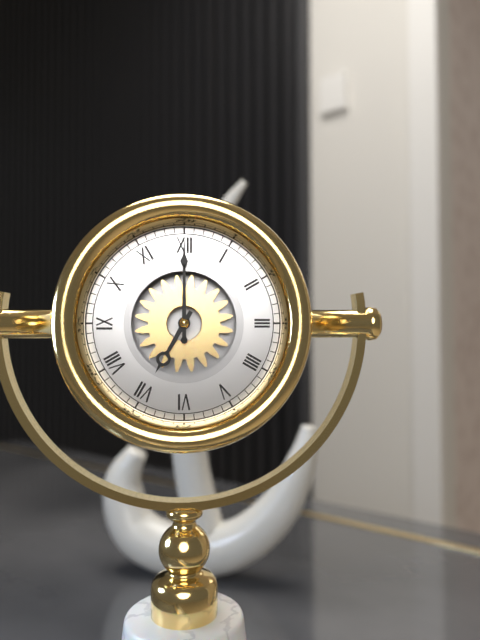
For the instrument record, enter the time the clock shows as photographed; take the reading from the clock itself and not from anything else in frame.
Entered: 7:00
